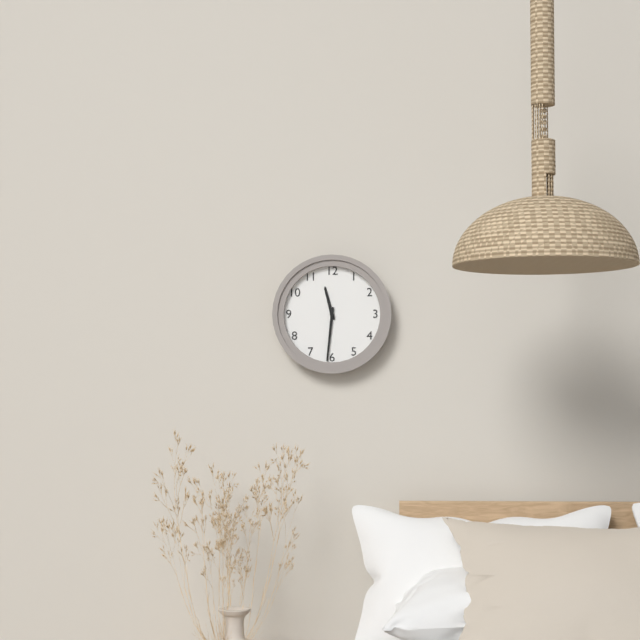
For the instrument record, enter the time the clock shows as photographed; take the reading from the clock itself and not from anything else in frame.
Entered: 11:31
